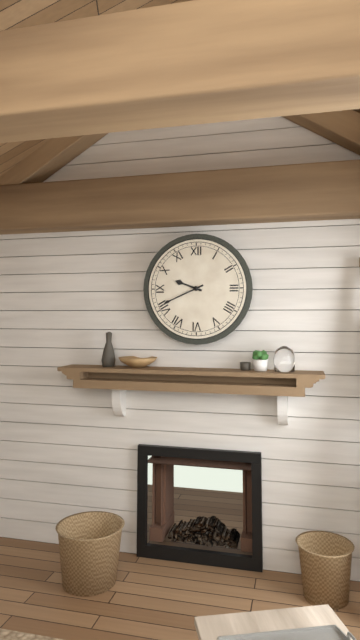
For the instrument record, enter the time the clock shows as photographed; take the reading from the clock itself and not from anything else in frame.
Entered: 9:41
